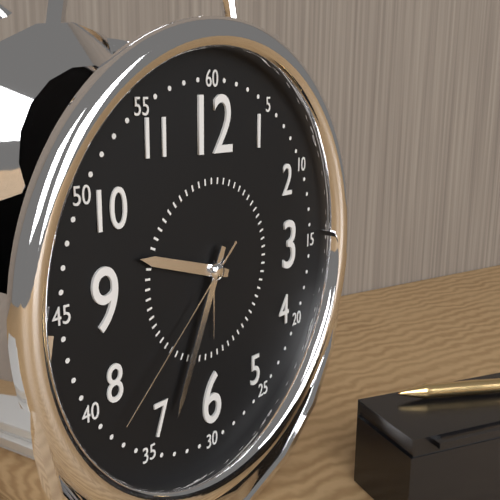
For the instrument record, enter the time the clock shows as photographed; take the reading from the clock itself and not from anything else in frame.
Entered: 9:34:38
